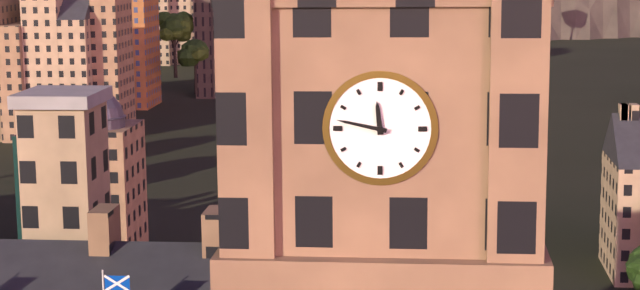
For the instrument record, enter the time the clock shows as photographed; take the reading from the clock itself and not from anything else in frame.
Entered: 11:47
